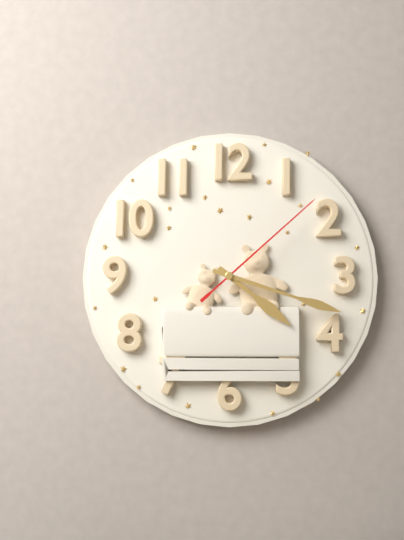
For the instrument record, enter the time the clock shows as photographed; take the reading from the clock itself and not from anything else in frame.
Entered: 4:18:08
